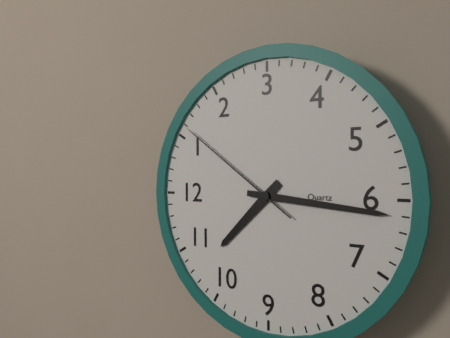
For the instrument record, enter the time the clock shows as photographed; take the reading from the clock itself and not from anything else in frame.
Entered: 10:31:06
